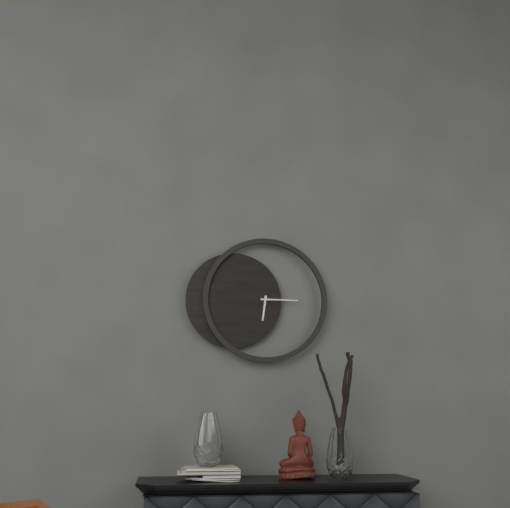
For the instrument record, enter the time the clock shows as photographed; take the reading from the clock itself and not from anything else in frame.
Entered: 6:15
